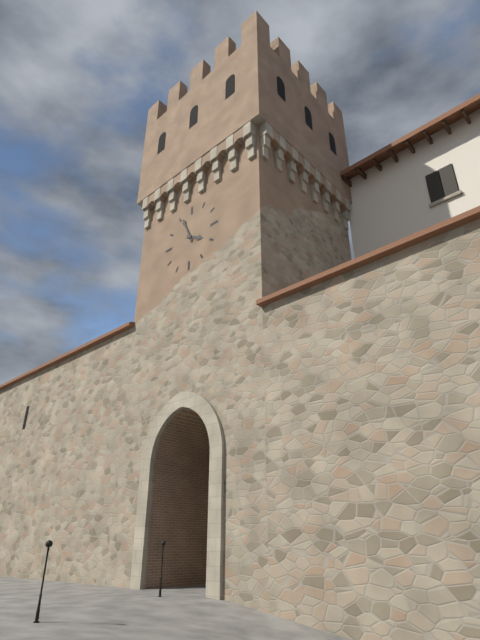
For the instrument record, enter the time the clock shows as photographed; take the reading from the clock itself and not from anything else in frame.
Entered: 3:56
